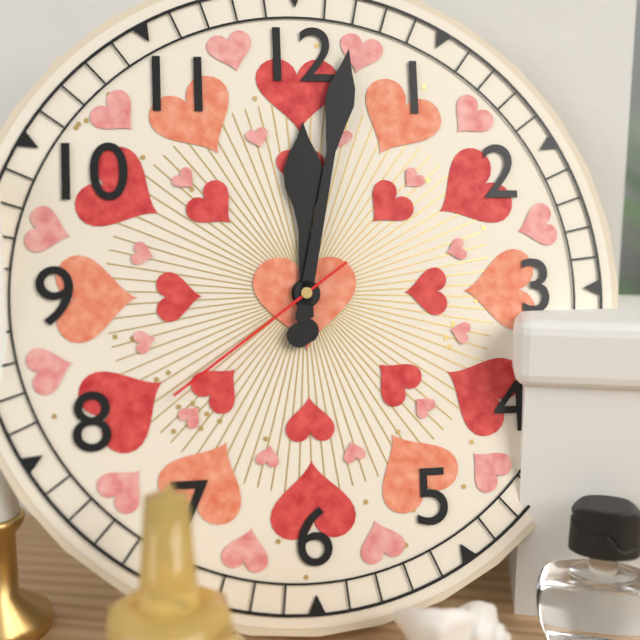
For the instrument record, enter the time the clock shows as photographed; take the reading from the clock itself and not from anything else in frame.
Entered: 12:02:39
